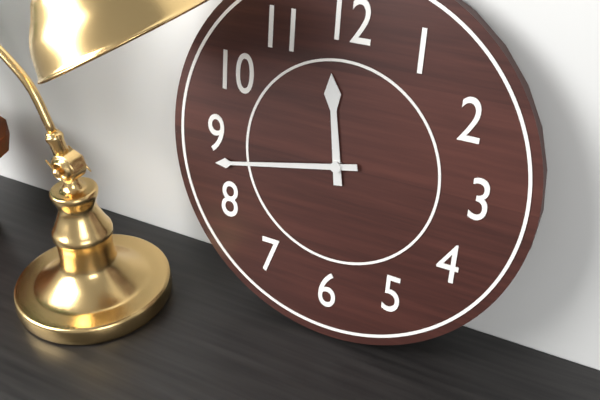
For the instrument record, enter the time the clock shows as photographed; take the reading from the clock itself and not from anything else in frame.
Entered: 11:43
